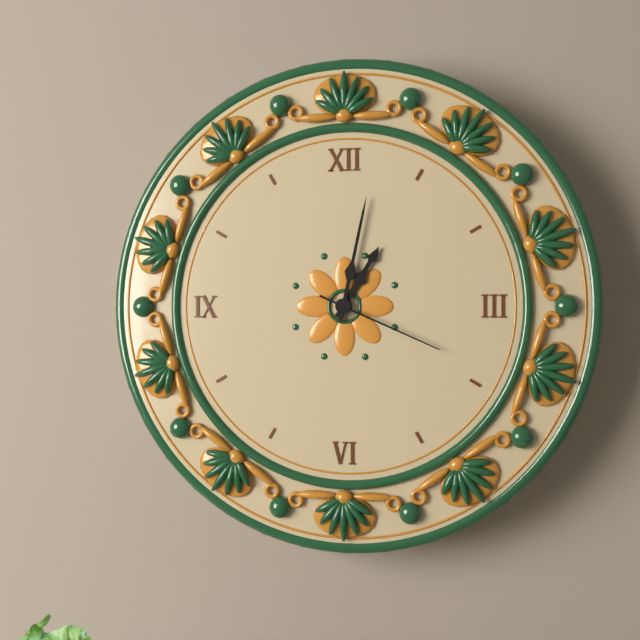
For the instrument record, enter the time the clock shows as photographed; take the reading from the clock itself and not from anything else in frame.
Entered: 1:02:19
